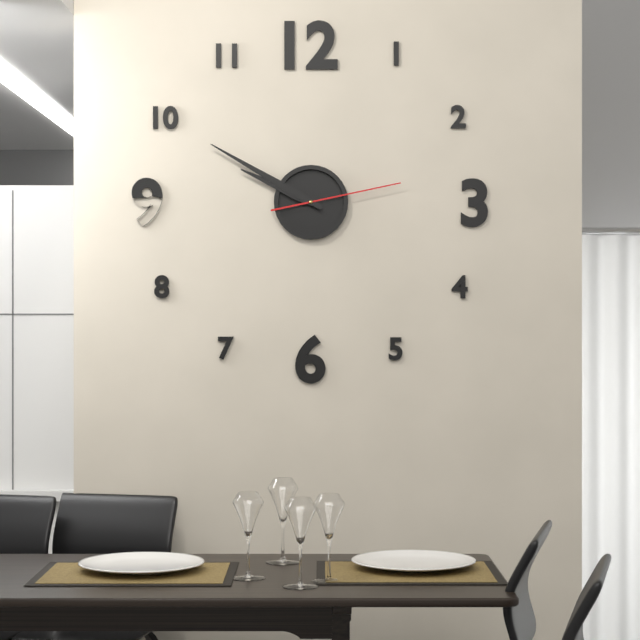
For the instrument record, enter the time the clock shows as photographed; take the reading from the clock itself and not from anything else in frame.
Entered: 9:50:13
